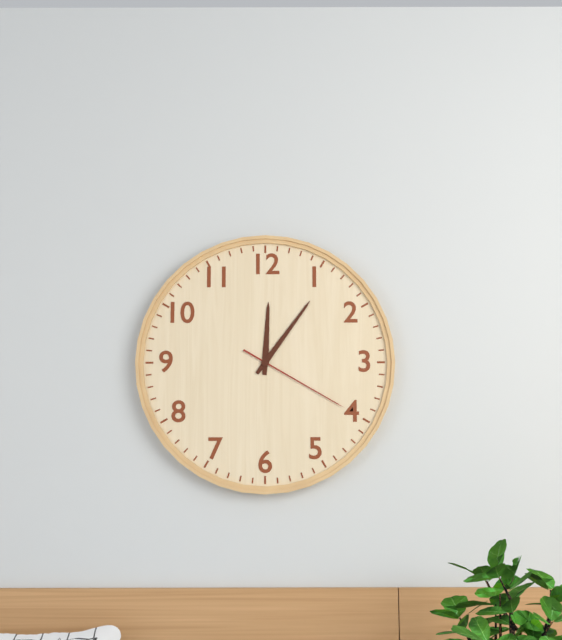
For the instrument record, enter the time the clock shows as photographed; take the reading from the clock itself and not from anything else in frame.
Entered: 12:06:20
